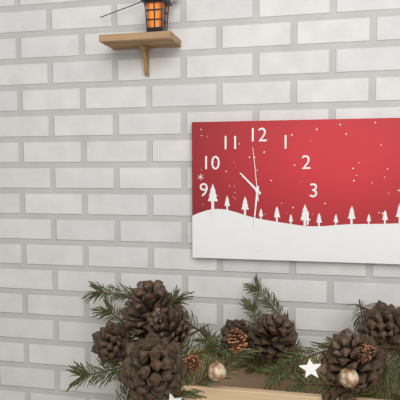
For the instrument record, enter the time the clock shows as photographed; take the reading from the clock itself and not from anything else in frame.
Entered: 10:31:59
